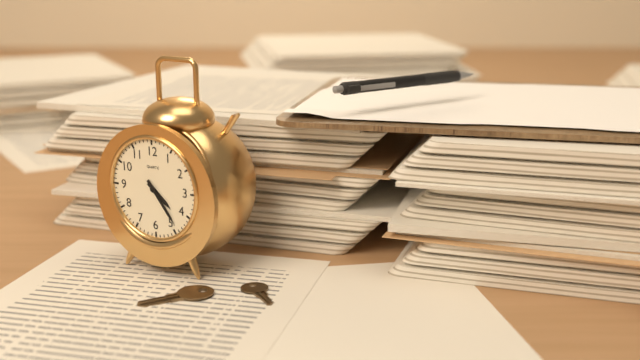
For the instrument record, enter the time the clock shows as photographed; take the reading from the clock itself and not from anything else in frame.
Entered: 4:24
